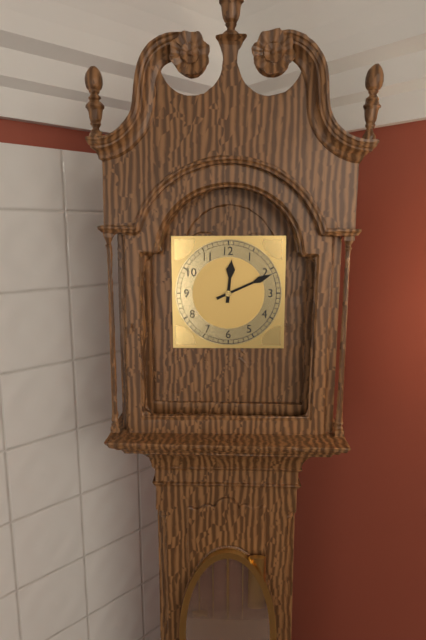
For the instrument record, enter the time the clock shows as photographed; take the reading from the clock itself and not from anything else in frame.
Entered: 12:11
